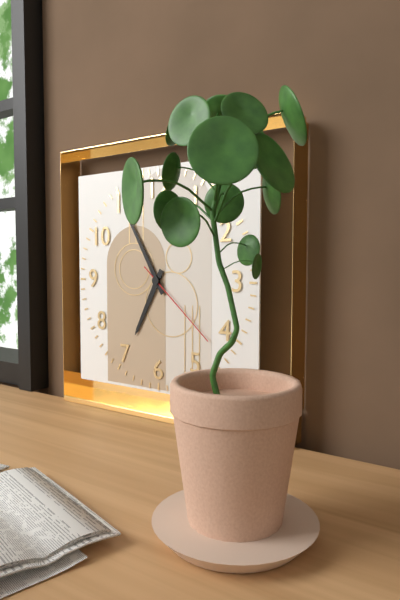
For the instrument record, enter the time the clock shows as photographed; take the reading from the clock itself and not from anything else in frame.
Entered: 6:55:22
